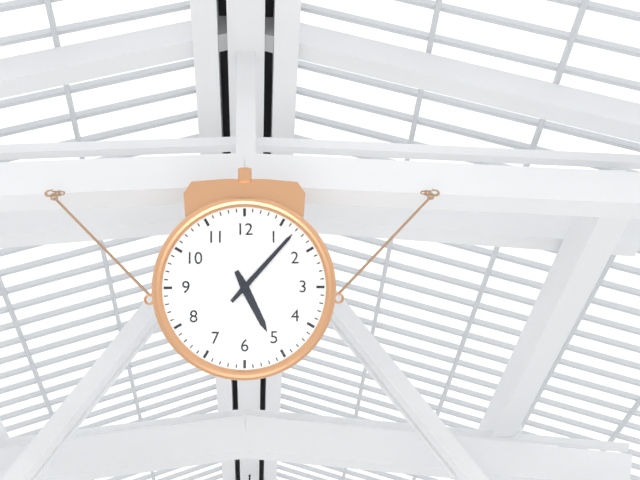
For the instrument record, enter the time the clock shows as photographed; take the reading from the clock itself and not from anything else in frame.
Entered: 5:07
